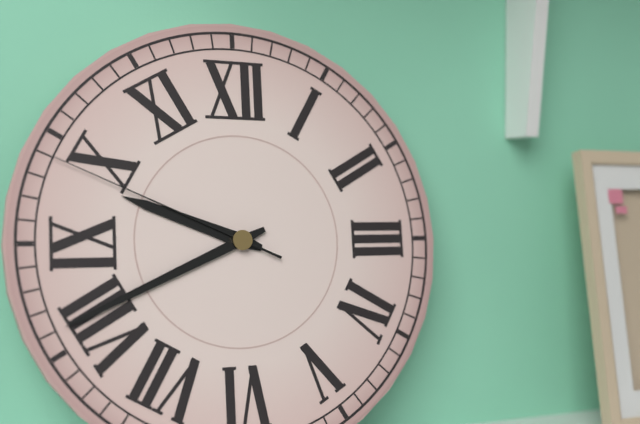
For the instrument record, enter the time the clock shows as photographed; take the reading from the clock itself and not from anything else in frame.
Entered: 9:41:49
